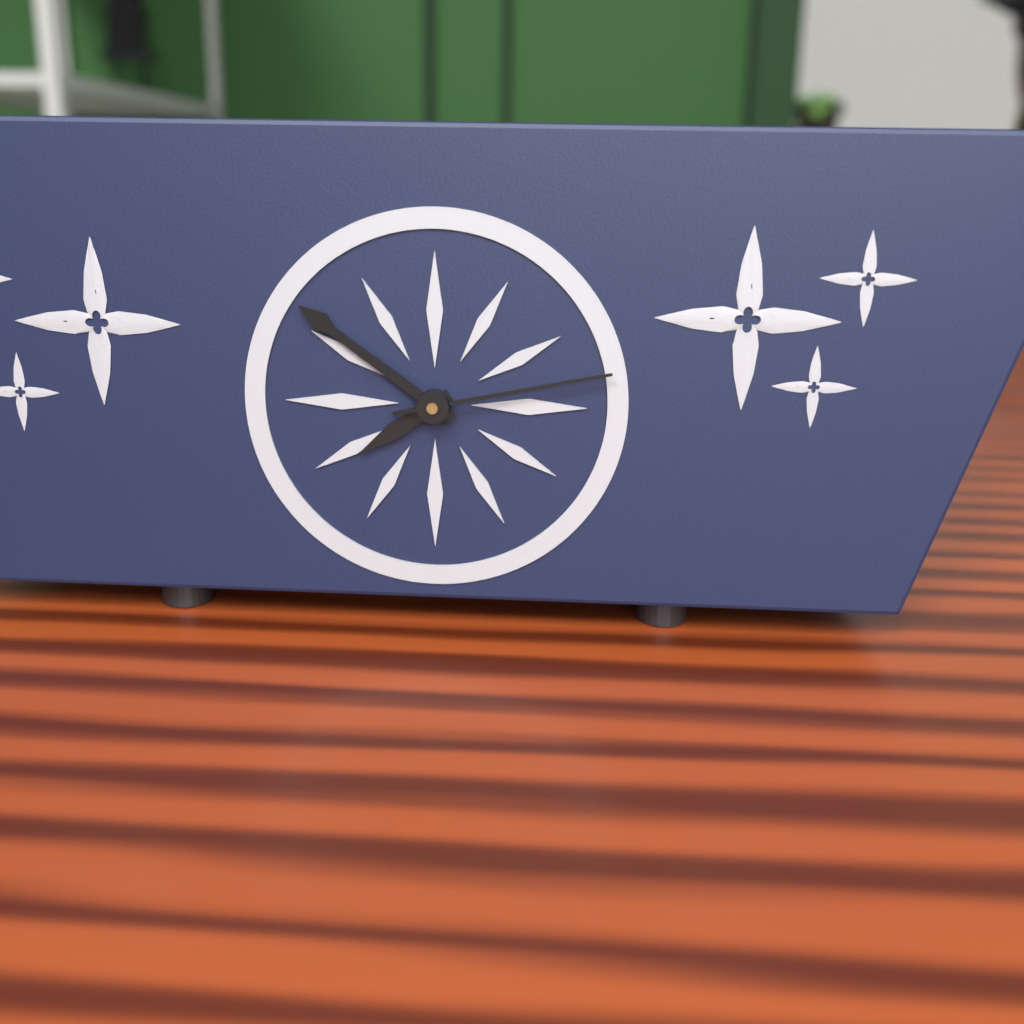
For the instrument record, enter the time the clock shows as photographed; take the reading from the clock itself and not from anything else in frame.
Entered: 7:51:13
